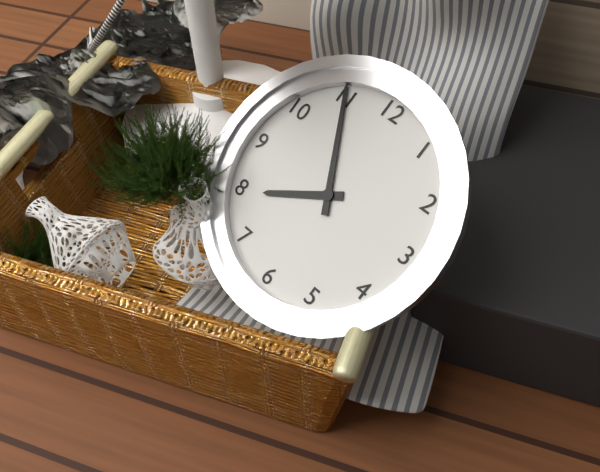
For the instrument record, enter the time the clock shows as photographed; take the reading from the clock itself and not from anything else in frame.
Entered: 7:55
